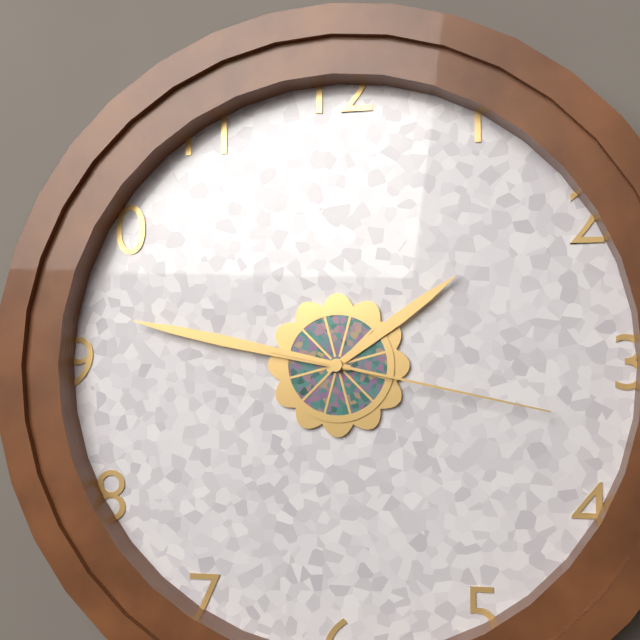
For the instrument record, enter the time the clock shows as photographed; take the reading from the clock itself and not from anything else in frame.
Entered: 1:47:17
